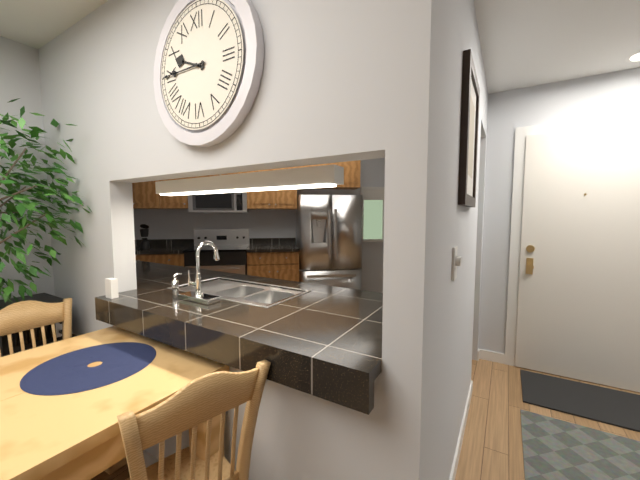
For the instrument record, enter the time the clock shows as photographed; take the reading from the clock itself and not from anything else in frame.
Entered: 9:45
